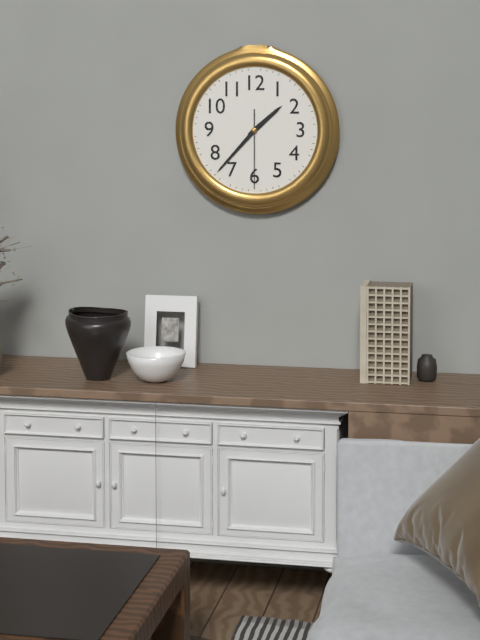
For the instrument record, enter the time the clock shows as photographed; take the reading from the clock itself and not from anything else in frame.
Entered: 1:37:30
